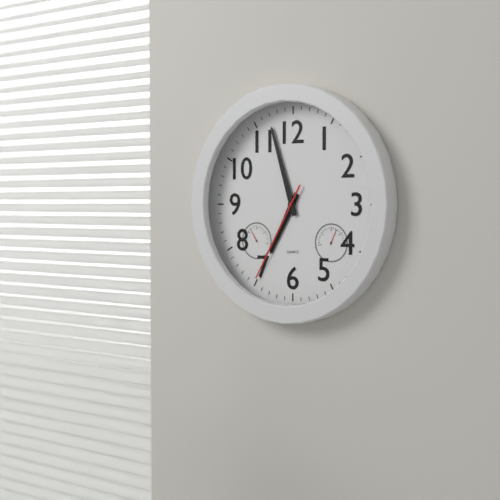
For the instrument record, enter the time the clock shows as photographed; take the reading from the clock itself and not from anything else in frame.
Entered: 6:57:35
